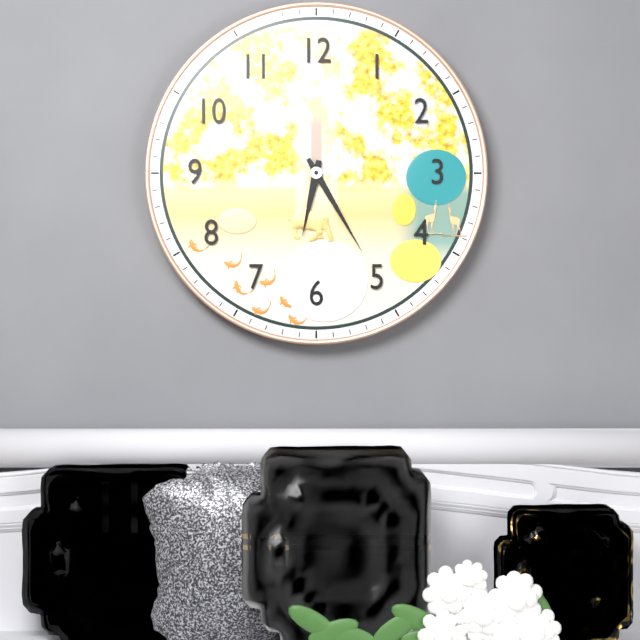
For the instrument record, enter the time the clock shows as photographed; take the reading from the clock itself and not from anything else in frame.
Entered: 6:25
